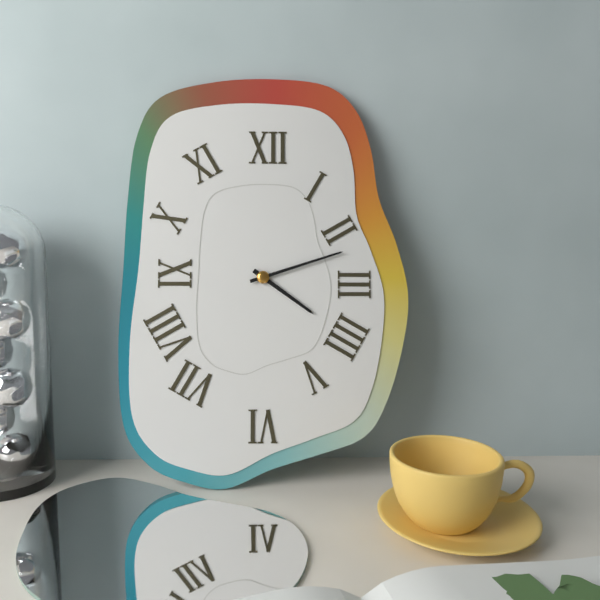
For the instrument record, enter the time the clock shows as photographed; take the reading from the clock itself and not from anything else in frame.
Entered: 4:12
